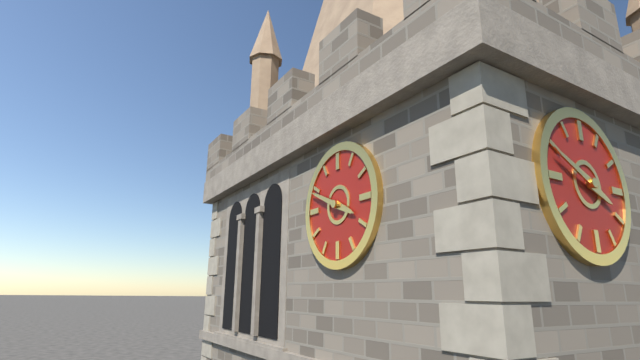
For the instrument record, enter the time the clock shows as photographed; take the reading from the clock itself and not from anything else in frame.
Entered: 3:49
